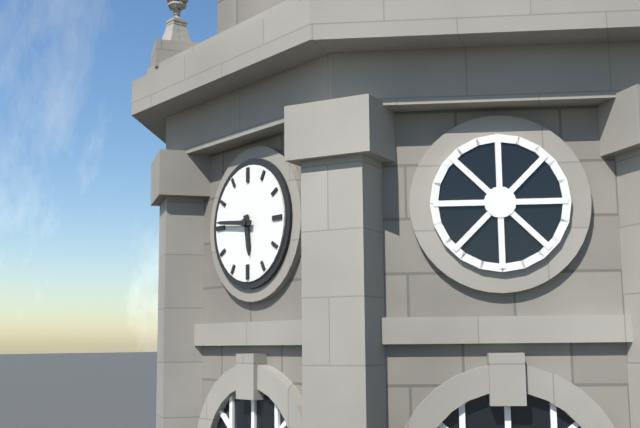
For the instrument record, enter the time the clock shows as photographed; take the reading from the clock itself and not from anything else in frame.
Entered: 5:46
